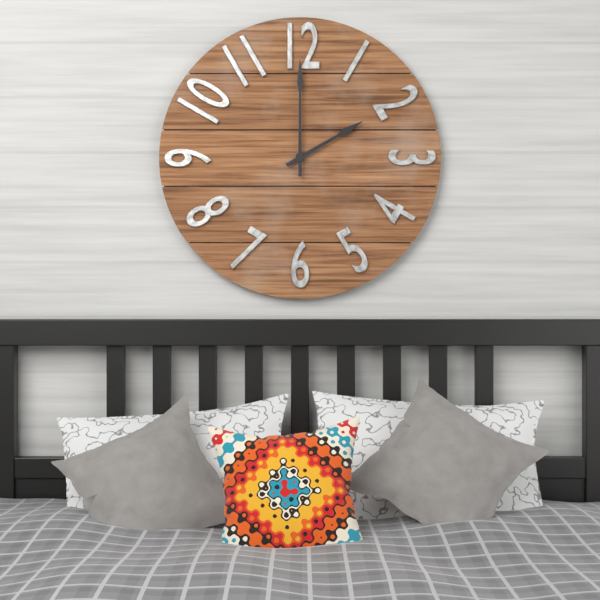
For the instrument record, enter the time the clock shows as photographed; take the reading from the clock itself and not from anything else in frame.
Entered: 2:00
